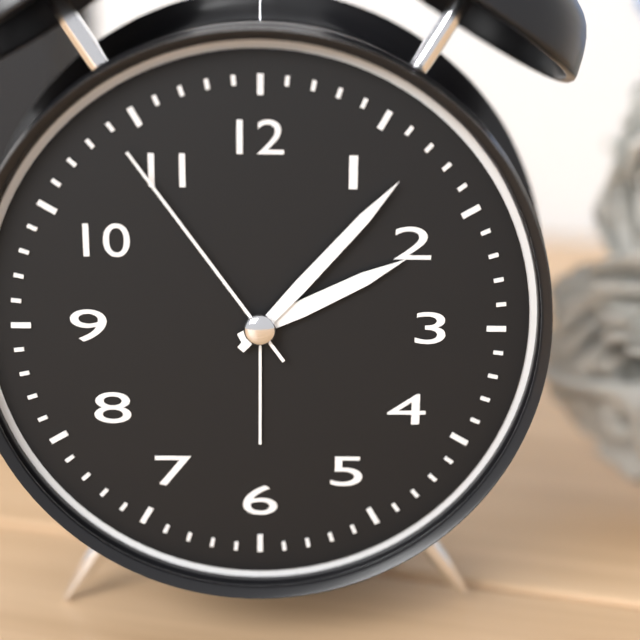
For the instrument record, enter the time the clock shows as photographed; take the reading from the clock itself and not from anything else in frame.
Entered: 2:07:54
